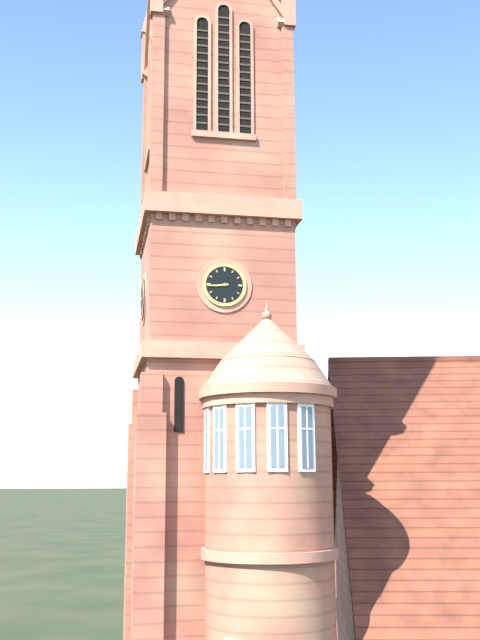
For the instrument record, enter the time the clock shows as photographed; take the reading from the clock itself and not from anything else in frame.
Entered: 8:44
